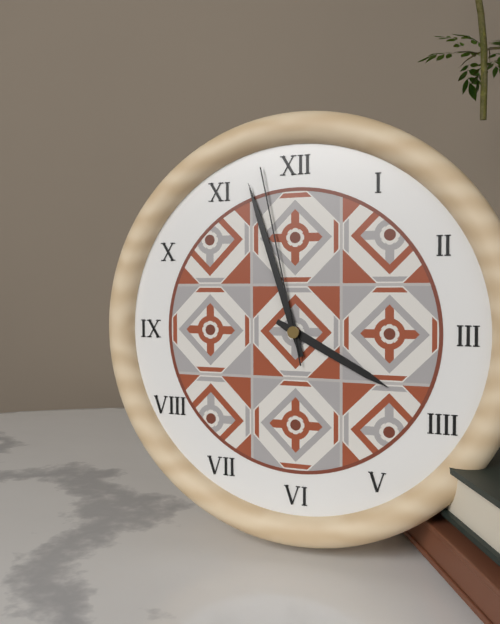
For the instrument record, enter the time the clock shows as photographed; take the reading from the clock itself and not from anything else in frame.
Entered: 3:57:58
